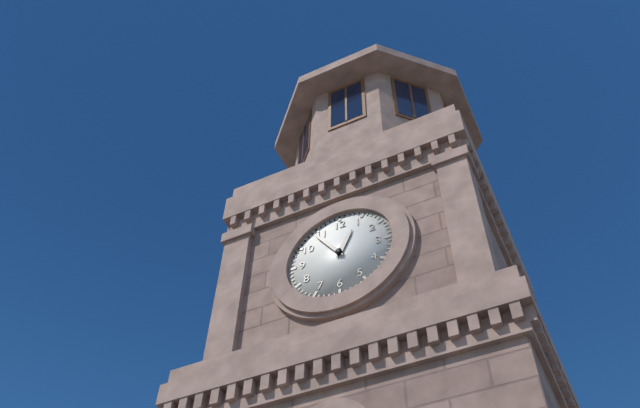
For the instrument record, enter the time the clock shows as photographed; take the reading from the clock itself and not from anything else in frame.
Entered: 12:54
